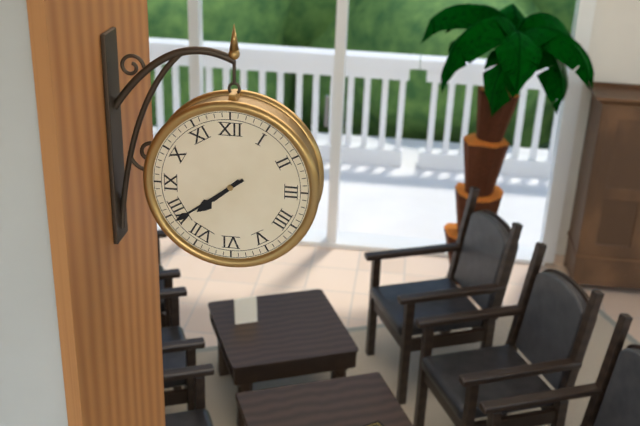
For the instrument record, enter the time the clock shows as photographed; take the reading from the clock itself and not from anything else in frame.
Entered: 7:39
